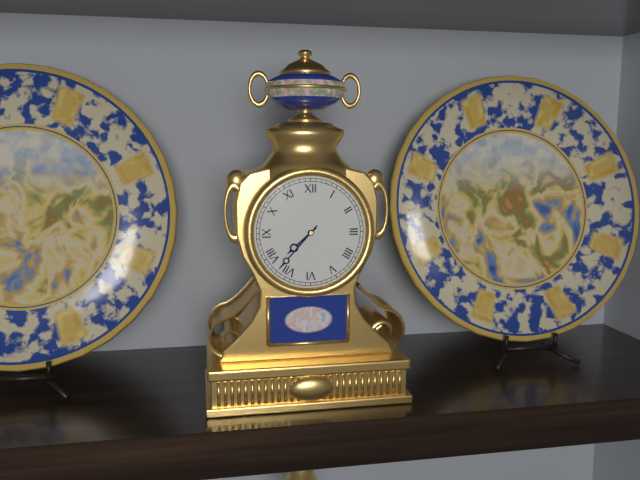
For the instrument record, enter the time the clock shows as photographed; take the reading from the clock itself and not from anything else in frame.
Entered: 7:37
